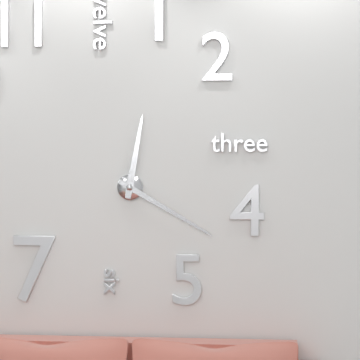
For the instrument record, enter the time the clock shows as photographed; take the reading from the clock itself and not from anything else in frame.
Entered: 12:20
